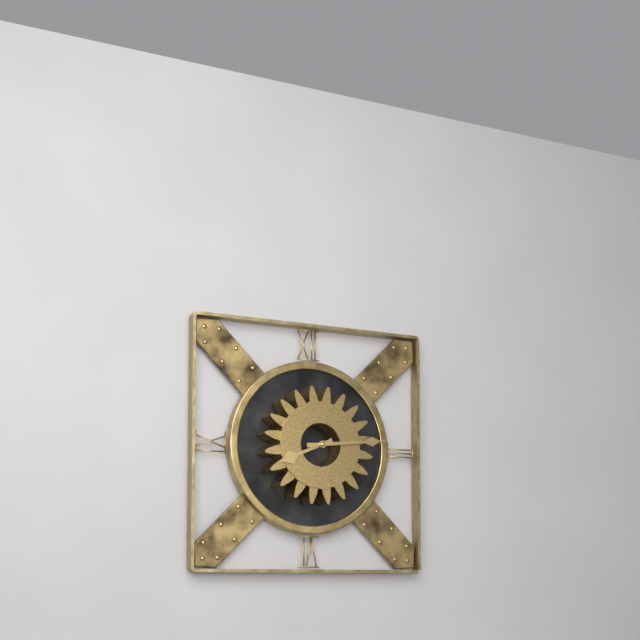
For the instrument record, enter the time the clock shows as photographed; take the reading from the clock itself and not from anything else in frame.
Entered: 8:14
